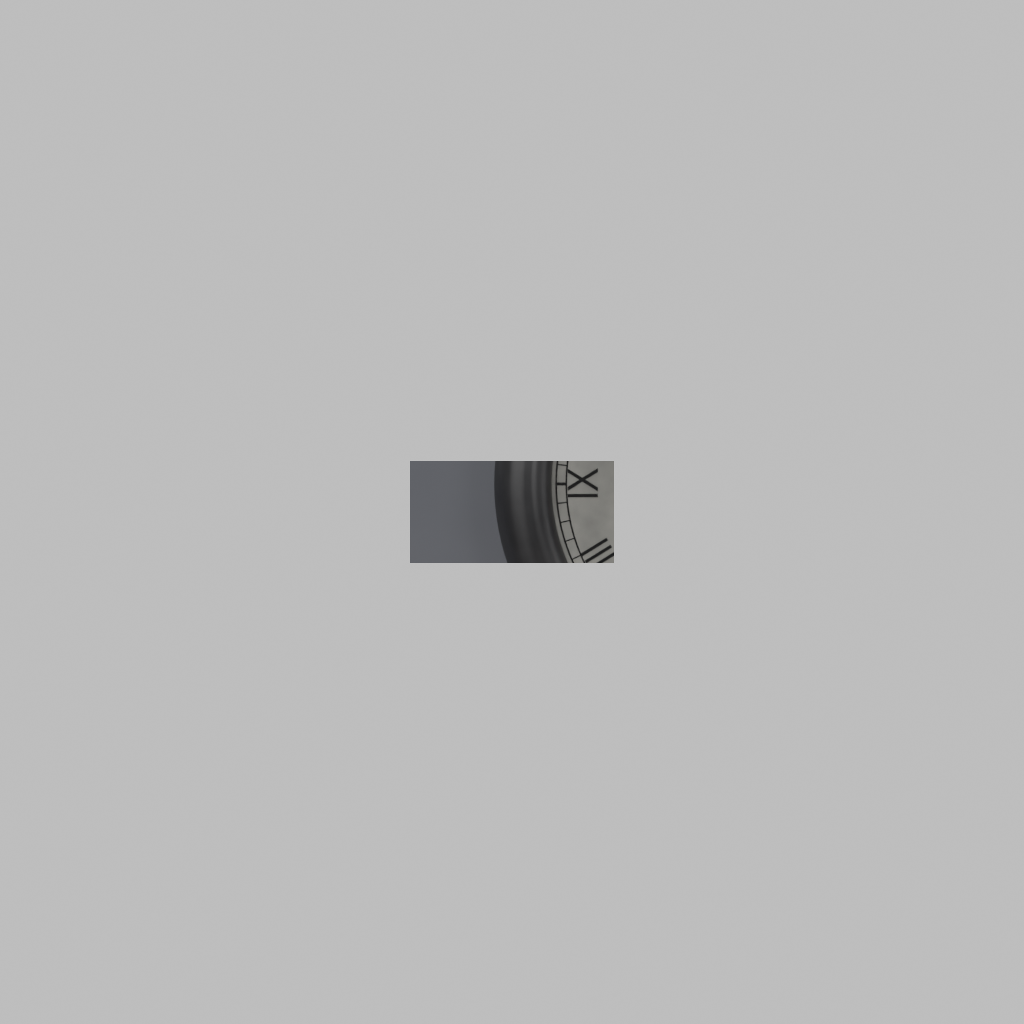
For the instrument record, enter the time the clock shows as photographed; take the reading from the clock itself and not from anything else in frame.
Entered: 2:53
